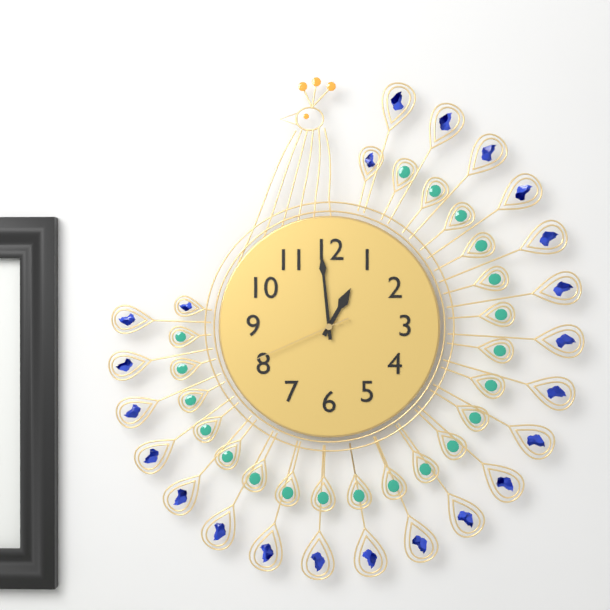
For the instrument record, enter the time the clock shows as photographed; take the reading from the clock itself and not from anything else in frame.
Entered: 12:59:41
